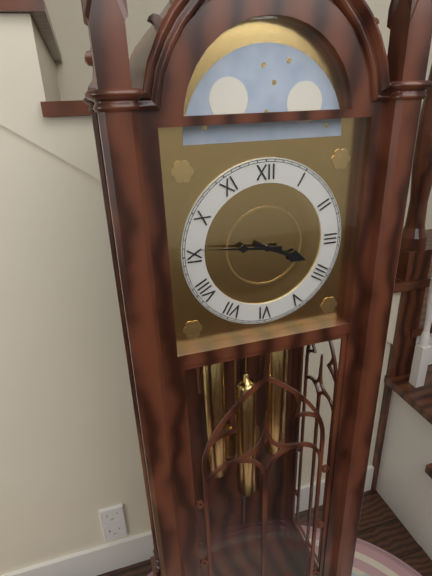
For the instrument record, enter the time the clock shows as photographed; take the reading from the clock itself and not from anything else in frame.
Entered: 3:46
